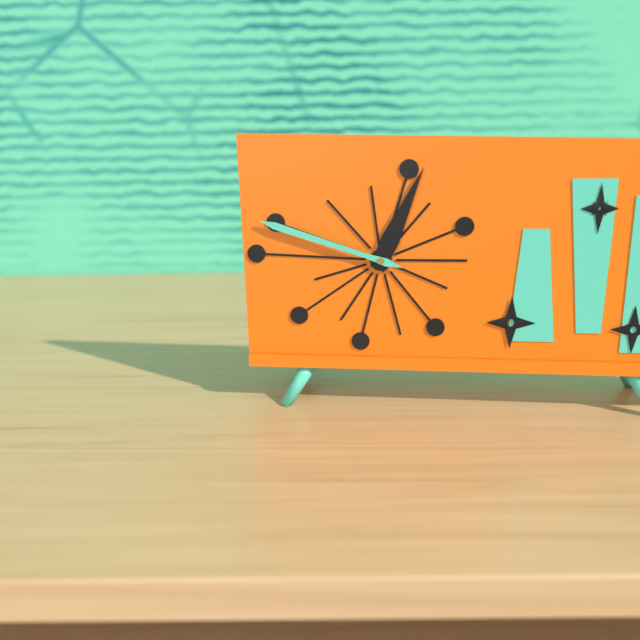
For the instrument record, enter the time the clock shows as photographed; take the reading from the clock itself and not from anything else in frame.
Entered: 12:48
